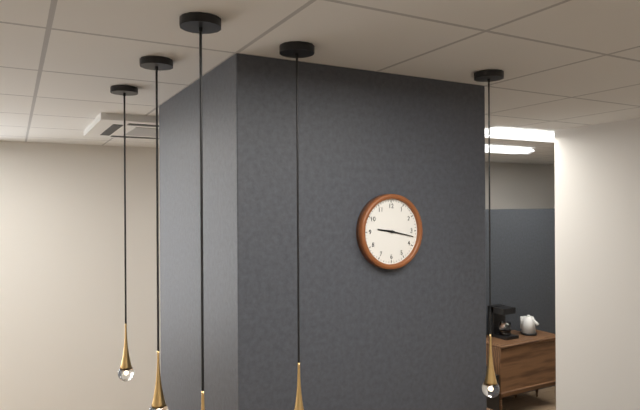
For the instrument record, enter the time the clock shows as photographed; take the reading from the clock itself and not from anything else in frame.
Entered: 9:17
